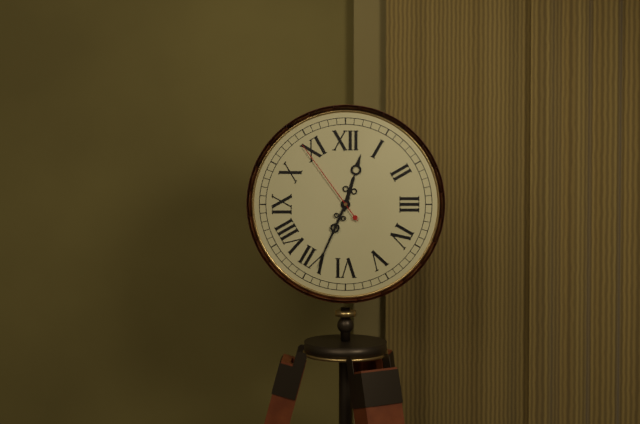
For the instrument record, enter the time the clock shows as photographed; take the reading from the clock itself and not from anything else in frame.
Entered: 12:34:54
